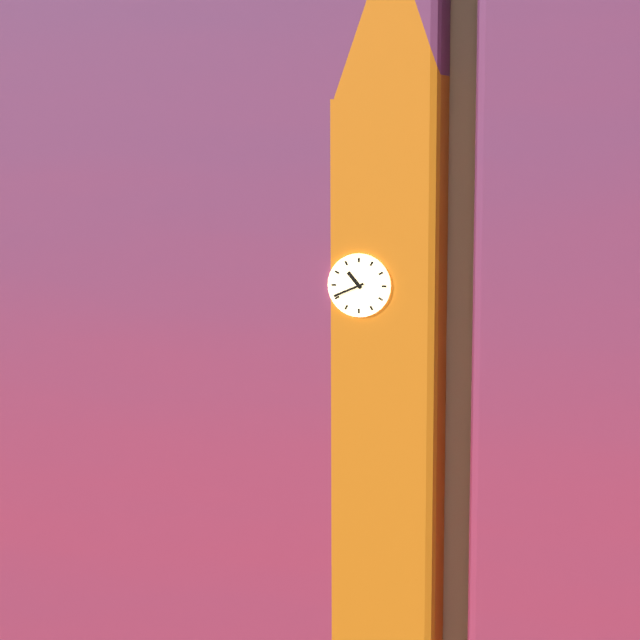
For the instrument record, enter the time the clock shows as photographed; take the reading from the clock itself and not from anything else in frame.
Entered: 10:41
